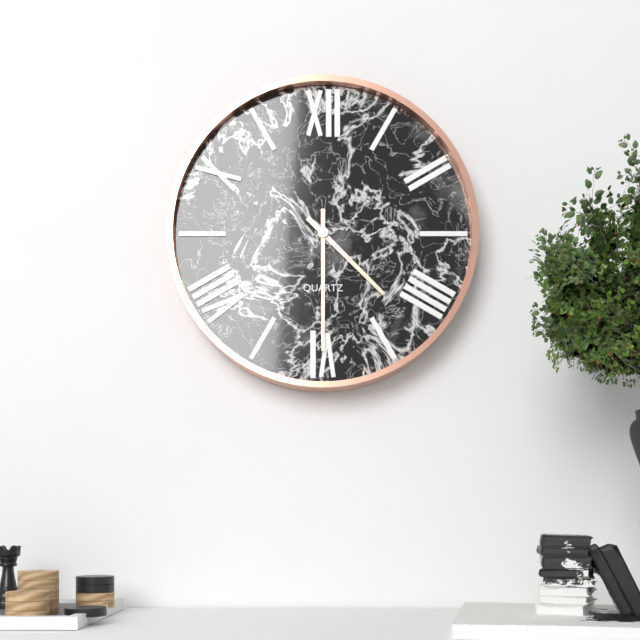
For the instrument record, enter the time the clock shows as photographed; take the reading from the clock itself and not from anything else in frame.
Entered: 4:30
